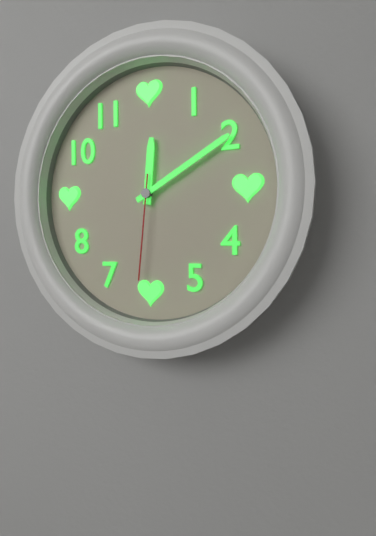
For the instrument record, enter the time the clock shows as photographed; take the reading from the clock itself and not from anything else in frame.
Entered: 12:10:31
